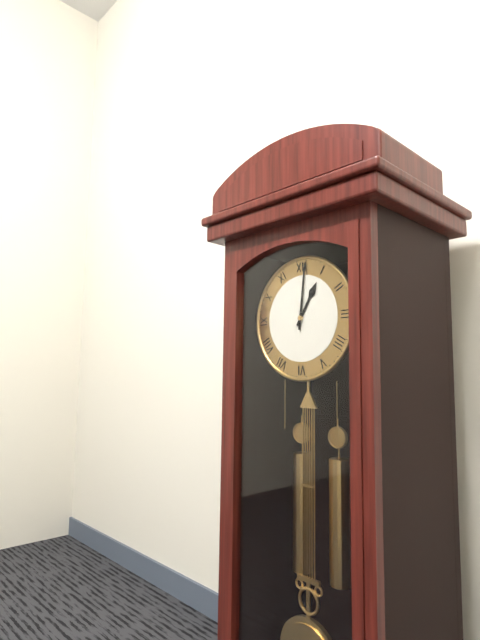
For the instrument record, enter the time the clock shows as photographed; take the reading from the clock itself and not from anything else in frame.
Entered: 1:01
